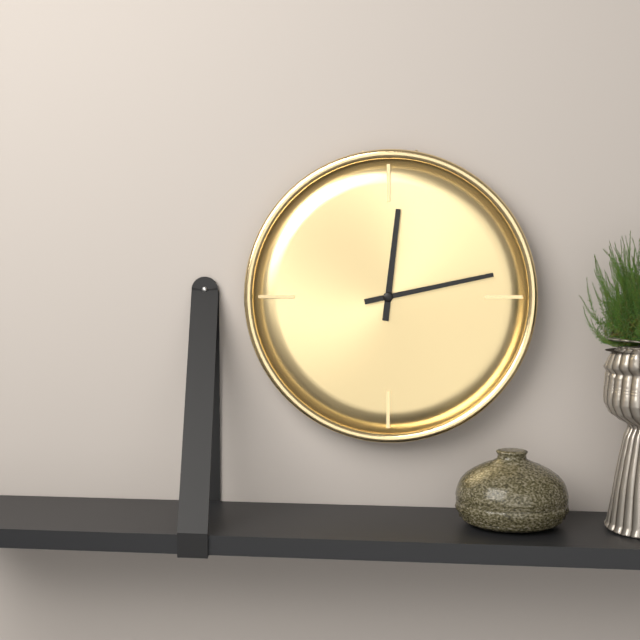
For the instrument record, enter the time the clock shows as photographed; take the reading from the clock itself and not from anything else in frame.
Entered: 12:13
